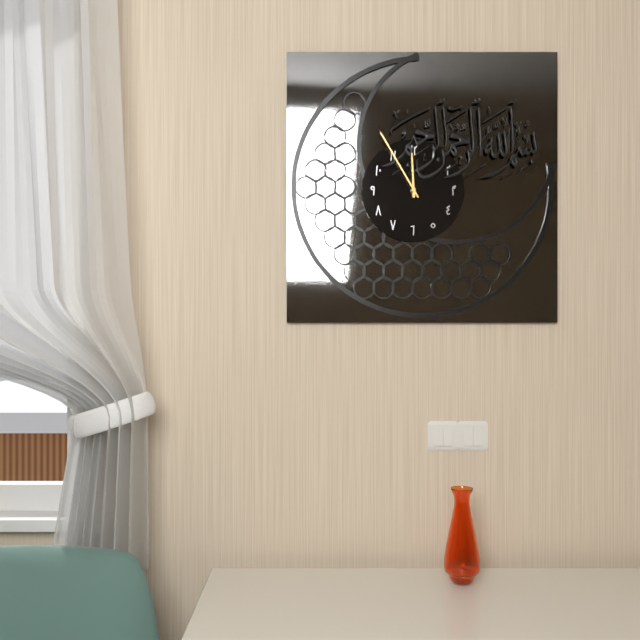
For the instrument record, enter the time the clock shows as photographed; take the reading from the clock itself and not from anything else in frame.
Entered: 11:55
